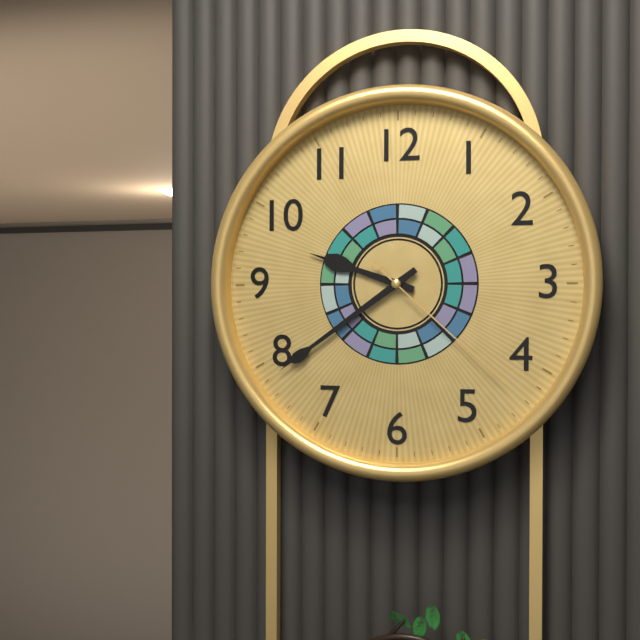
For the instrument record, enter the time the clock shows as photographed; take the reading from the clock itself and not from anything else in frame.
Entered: 9:39:22
